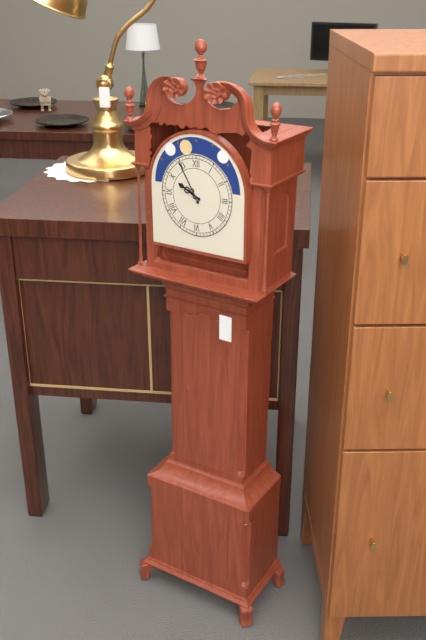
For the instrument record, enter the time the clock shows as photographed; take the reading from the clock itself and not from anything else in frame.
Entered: 9:55
